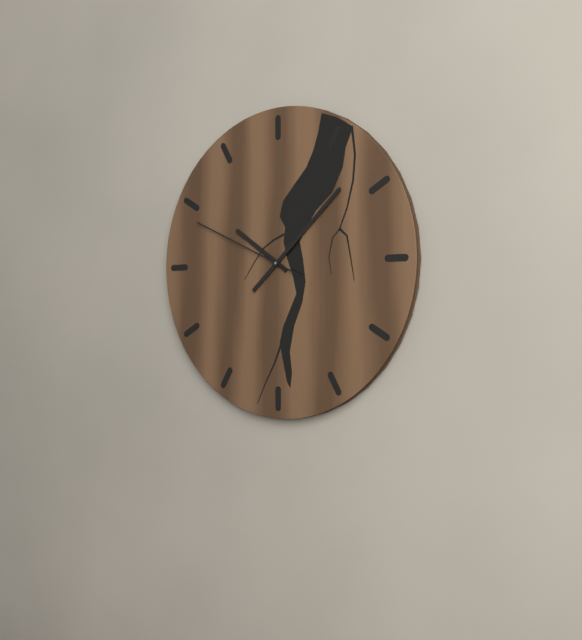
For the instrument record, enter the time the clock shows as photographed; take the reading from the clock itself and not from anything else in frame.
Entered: 10:08:49
